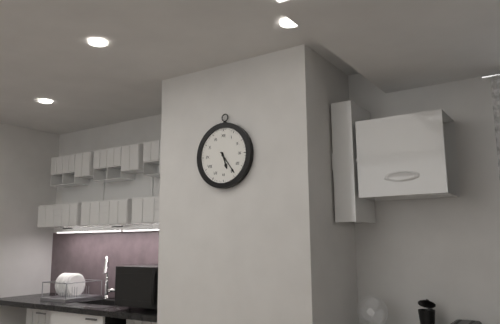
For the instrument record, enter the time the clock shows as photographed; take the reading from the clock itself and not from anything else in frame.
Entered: 5:24
